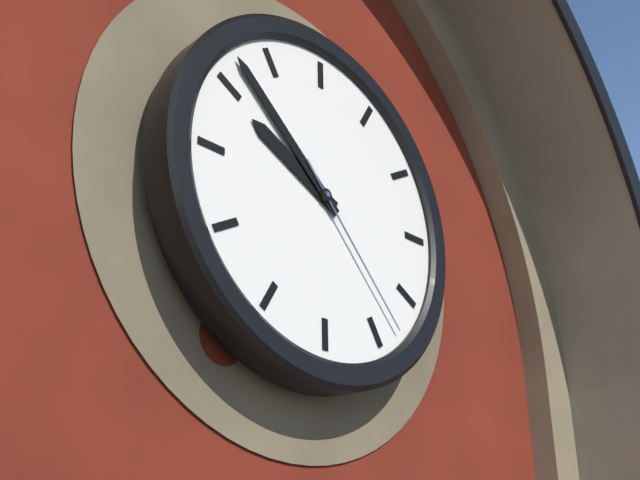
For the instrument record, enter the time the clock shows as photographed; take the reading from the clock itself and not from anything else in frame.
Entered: 9:52:23
